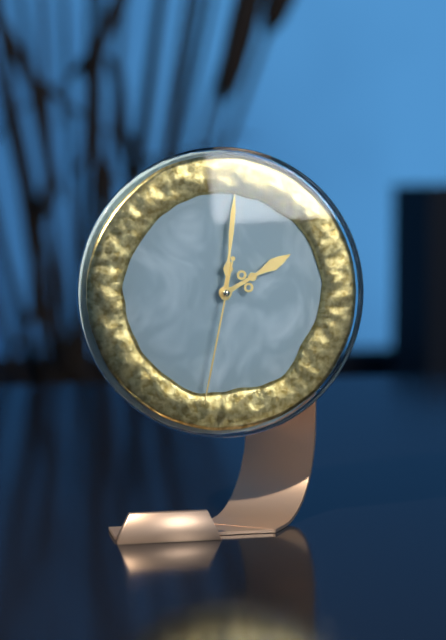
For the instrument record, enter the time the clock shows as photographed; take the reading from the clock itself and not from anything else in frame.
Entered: 2:01:32
